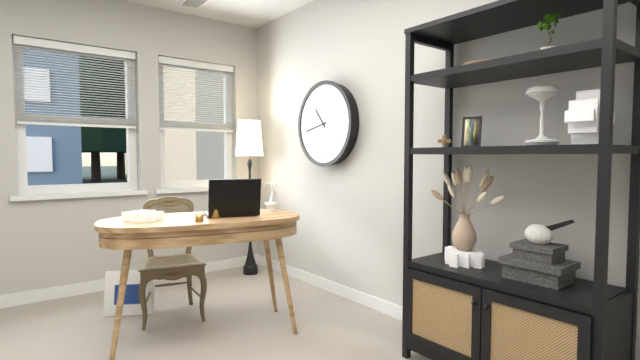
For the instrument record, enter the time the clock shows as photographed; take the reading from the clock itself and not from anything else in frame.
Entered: 10:43
